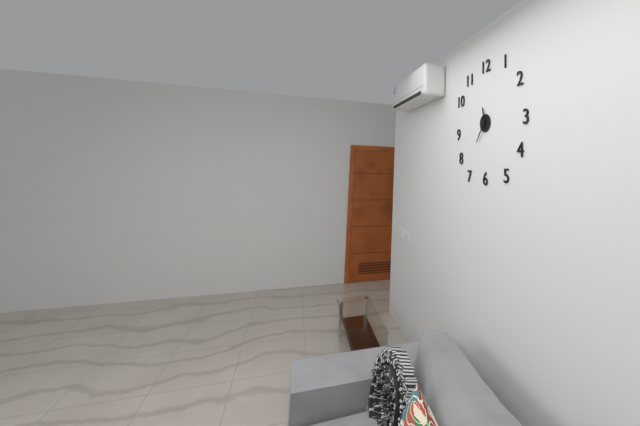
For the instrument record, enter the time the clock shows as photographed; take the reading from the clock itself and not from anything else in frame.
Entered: 11:36
